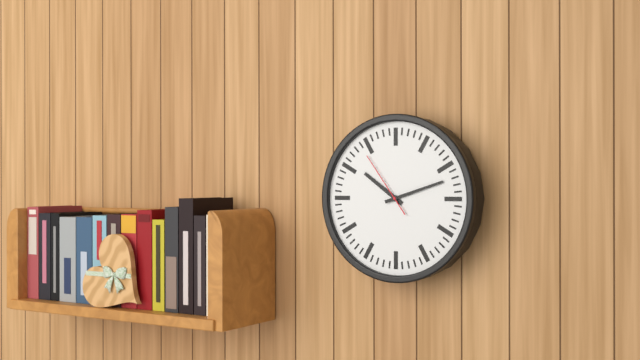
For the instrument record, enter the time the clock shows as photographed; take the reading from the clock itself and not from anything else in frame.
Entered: 10:12:54
